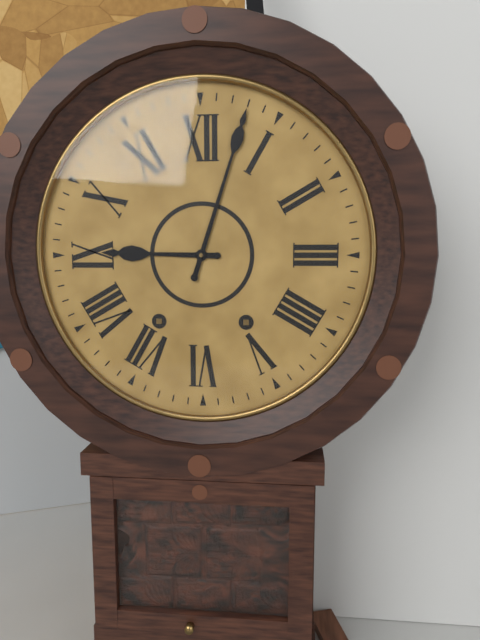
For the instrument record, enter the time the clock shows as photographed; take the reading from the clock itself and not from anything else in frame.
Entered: 9:03
